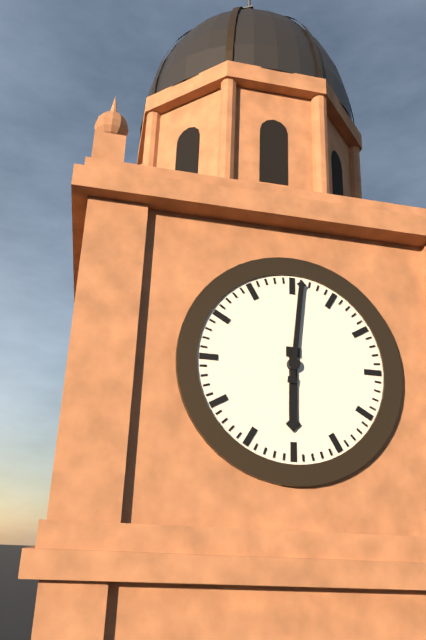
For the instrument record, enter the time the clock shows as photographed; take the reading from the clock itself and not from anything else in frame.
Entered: 6:01
